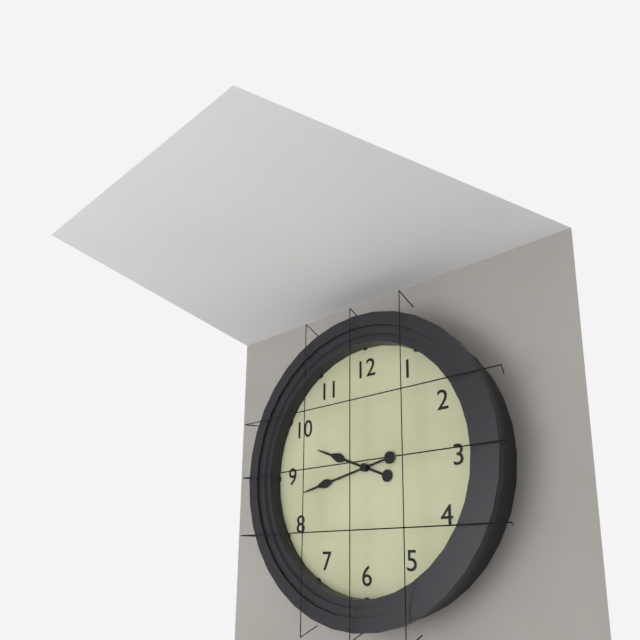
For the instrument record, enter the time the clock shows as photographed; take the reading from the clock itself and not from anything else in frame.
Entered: 9:43
